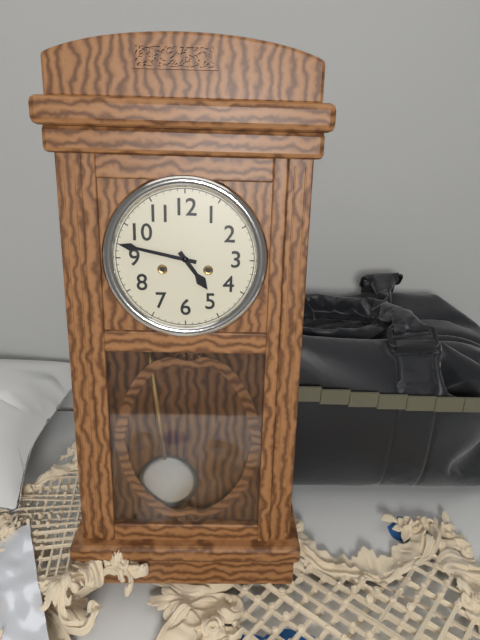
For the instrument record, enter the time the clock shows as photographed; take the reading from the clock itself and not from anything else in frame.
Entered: 4:47
